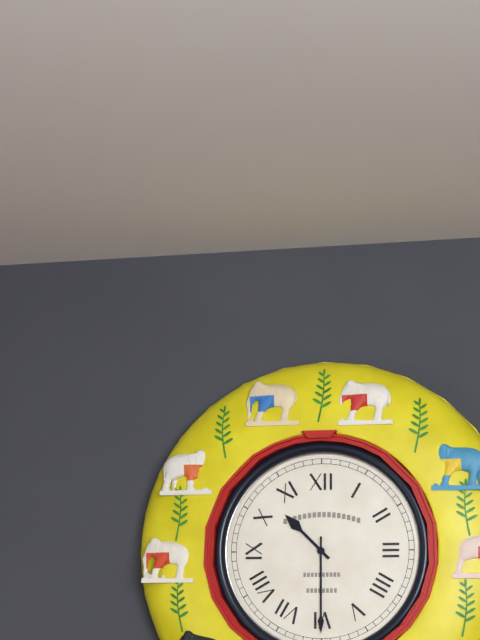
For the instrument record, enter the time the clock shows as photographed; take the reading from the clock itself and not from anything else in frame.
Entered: 10:30
